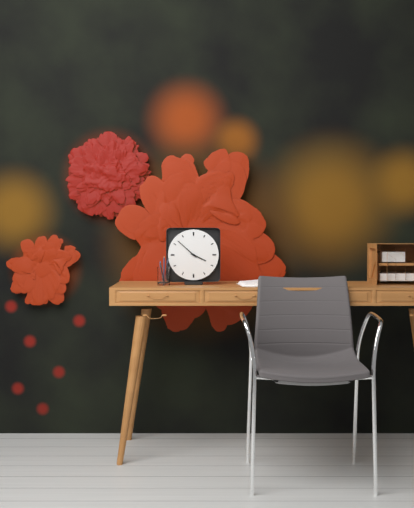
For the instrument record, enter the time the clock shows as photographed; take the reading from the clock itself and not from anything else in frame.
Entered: 3:52
